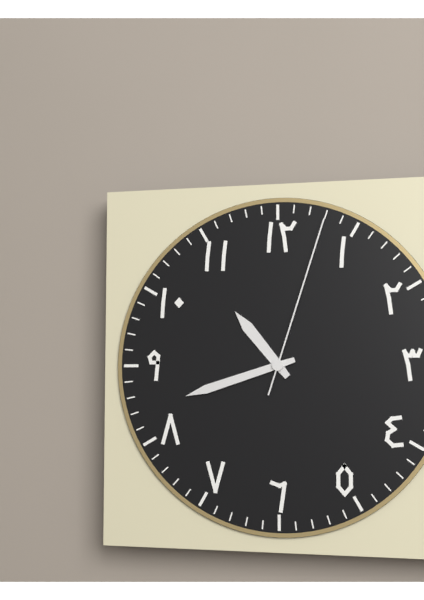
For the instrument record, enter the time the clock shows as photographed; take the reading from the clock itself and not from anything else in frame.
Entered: 10:42:03
